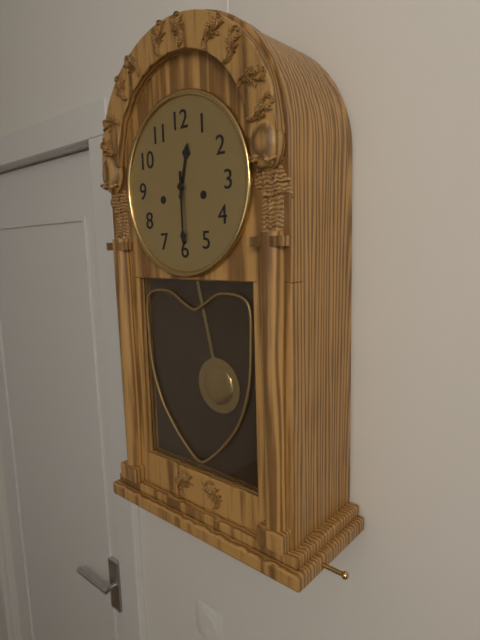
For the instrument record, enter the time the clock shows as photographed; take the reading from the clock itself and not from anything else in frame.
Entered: 12:30
